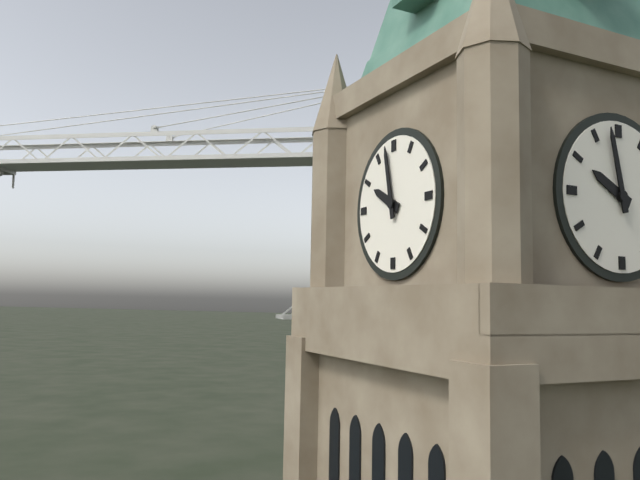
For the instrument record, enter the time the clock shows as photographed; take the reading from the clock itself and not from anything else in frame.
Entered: 9:58
